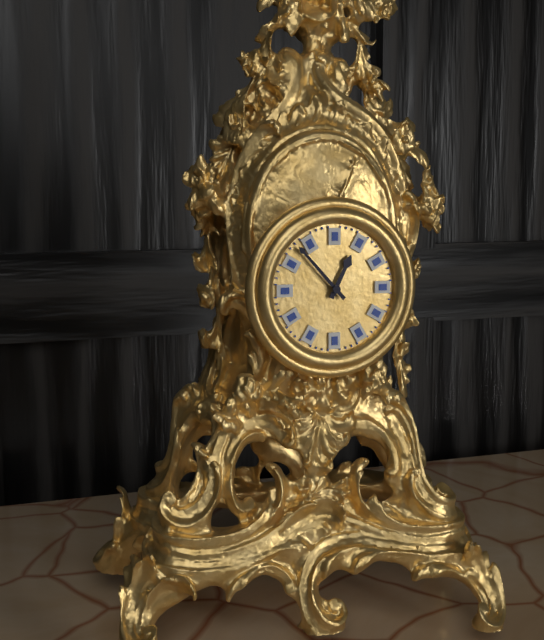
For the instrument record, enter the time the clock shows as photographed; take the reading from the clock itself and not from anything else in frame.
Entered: 12:53
